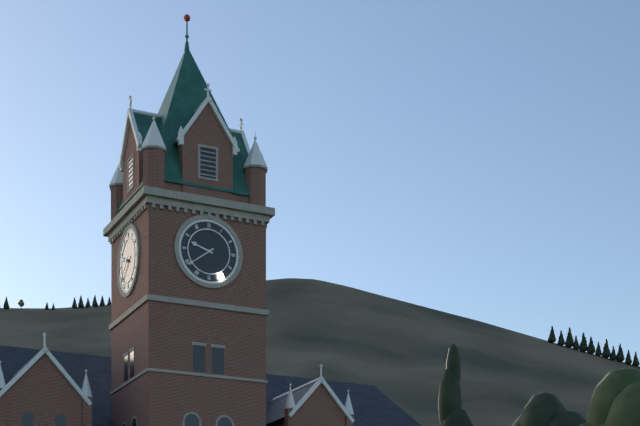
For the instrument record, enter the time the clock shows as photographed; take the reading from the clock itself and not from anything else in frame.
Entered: 9:39
